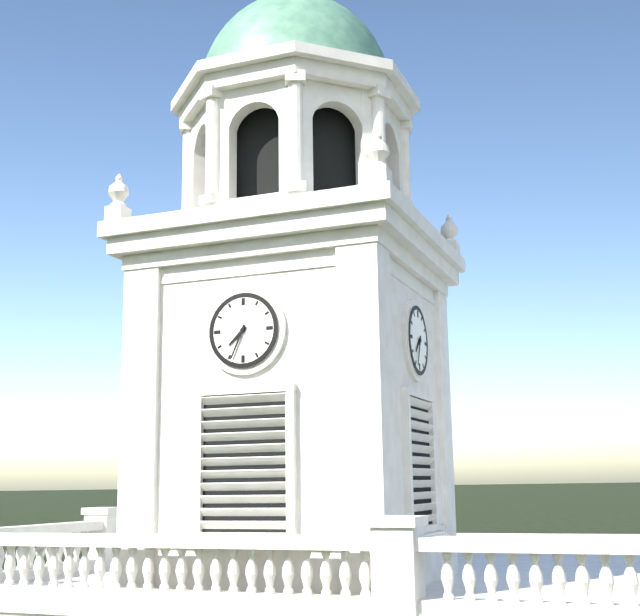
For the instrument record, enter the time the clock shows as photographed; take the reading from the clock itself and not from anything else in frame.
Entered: 7:34
